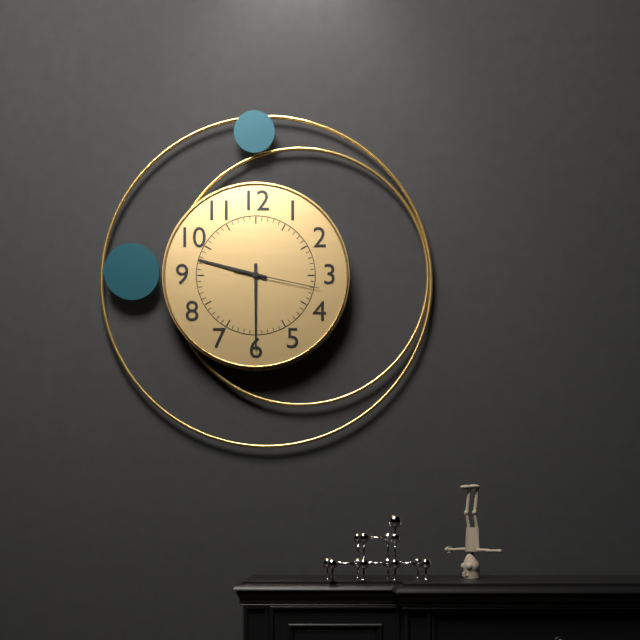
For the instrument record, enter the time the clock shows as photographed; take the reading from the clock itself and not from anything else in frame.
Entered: 9:30:17
